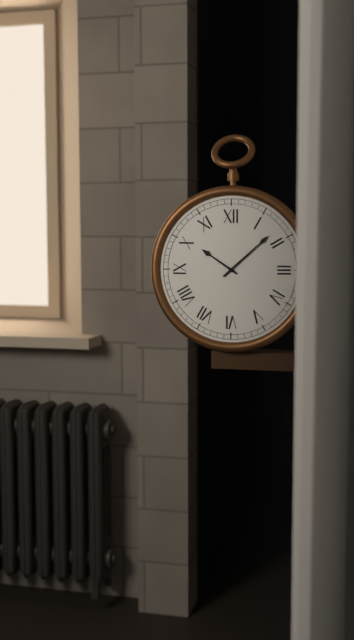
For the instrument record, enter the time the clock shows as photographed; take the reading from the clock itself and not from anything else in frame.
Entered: 10:08
